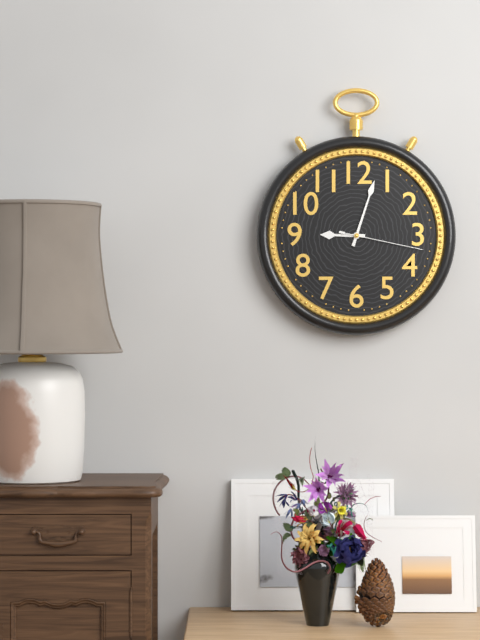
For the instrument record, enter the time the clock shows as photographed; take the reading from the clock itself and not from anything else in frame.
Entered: 9:03:17
